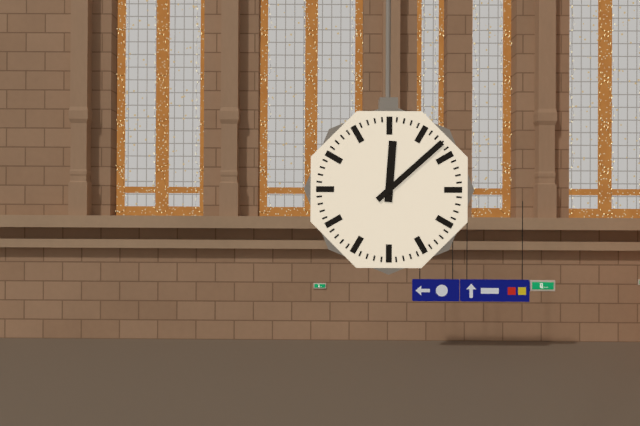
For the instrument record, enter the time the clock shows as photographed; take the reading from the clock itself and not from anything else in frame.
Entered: 12:08
